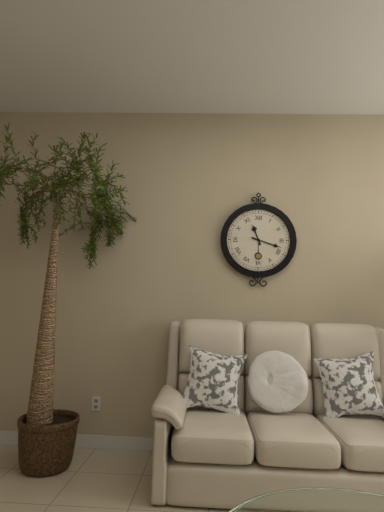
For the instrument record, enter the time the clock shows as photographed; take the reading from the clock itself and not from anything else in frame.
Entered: 11:18
